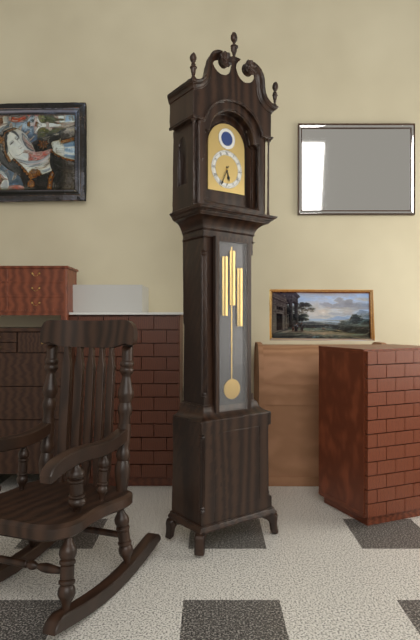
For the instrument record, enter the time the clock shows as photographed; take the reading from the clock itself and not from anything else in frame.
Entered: 5:34
